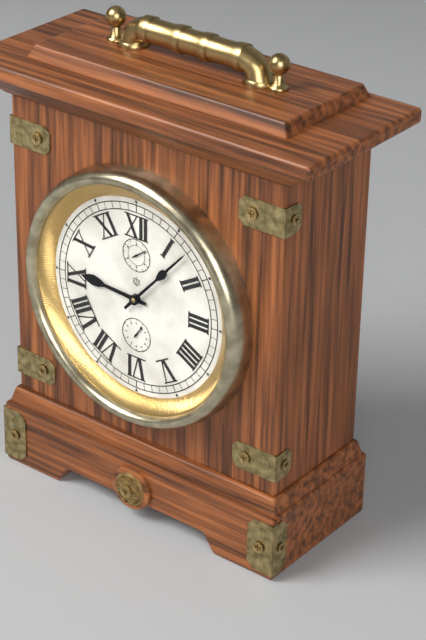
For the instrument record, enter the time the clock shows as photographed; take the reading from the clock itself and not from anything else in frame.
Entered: 9:07
